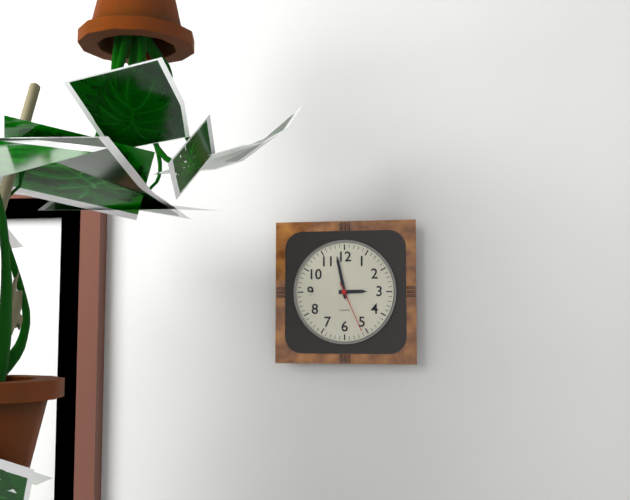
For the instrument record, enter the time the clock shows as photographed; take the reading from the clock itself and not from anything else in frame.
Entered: 2:58:26
